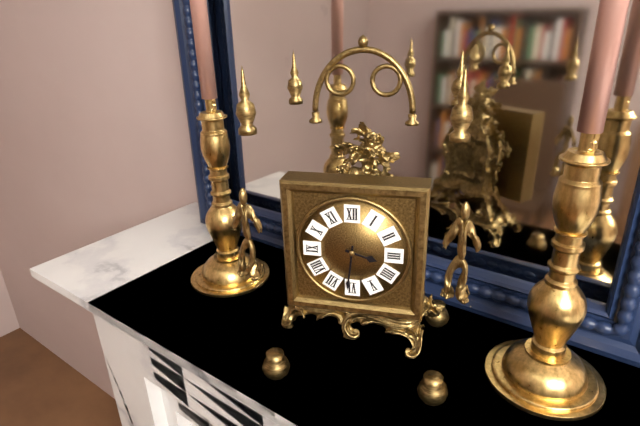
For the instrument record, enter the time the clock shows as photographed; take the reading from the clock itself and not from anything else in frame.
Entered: 3:31
